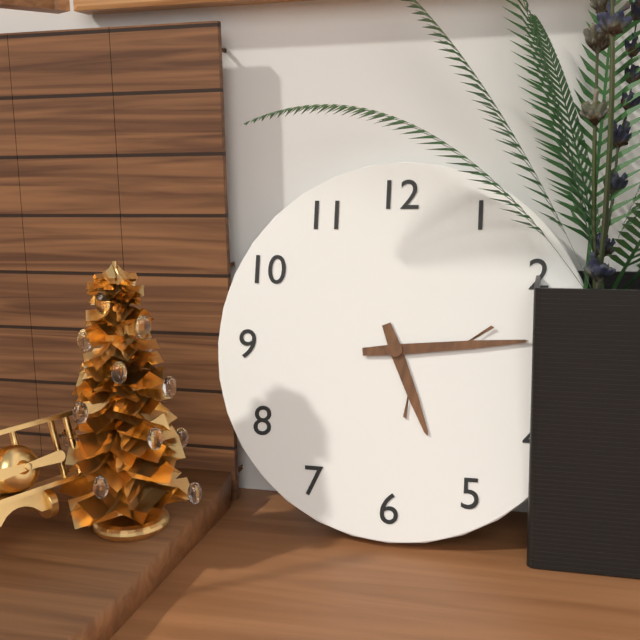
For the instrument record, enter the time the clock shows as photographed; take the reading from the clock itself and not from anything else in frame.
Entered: 5:14
